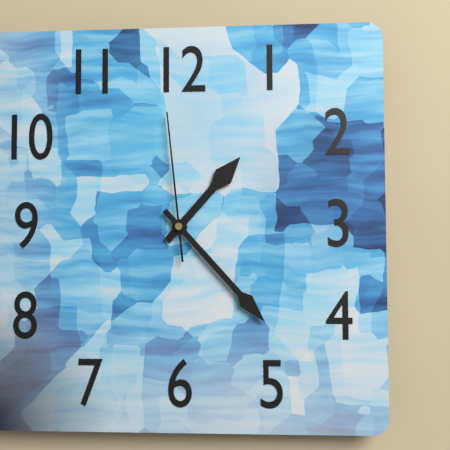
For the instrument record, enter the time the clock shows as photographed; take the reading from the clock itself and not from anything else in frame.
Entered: 1:23:59
